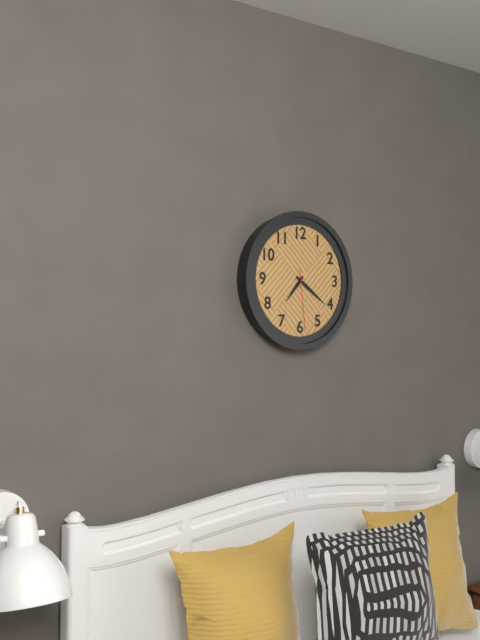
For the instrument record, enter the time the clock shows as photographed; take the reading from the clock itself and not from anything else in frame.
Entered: 7:21:29
